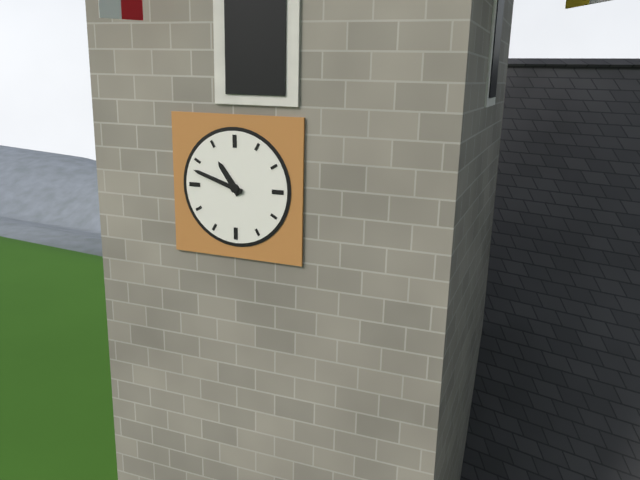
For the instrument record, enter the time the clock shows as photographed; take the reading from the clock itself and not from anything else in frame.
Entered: 10:48
